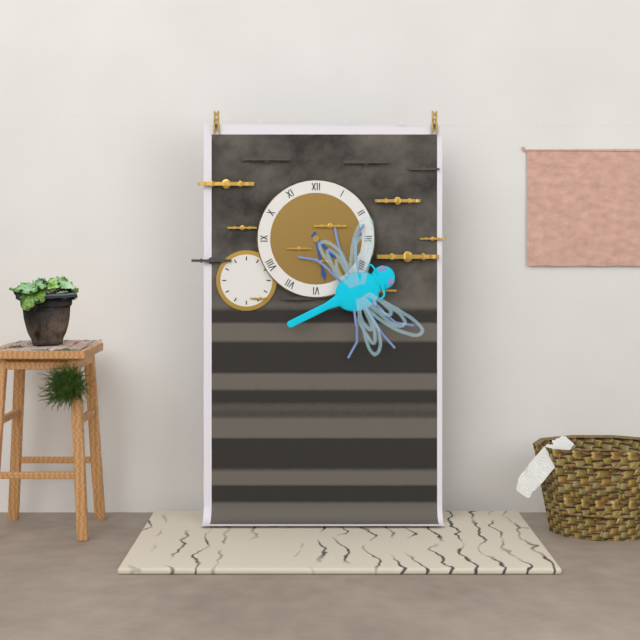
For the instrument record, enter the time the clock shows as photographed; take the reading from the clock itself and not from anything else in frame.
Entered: 4:28
